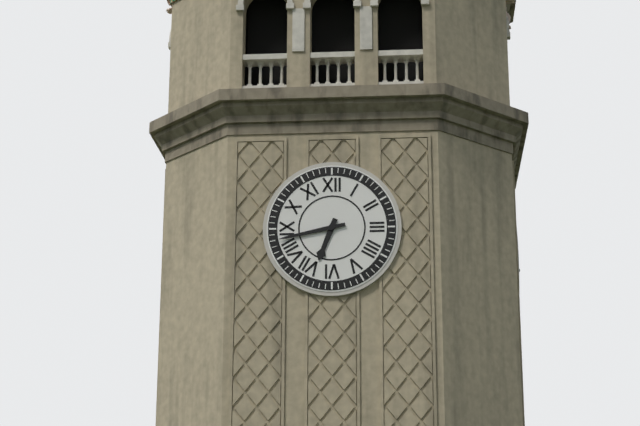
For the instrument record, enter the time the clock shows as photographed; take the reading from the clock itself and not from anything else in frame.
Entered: 6:43
